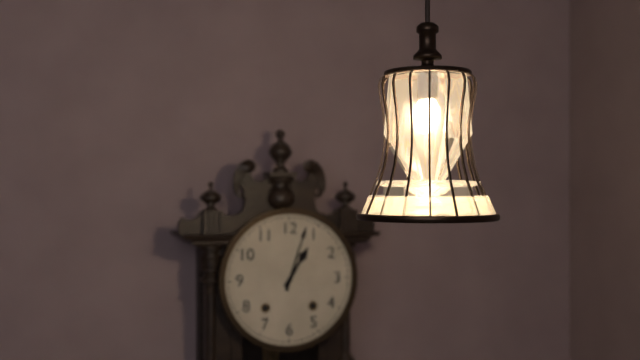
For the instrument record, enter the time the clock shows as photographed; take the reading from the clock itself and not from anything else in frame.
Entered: 1:03
